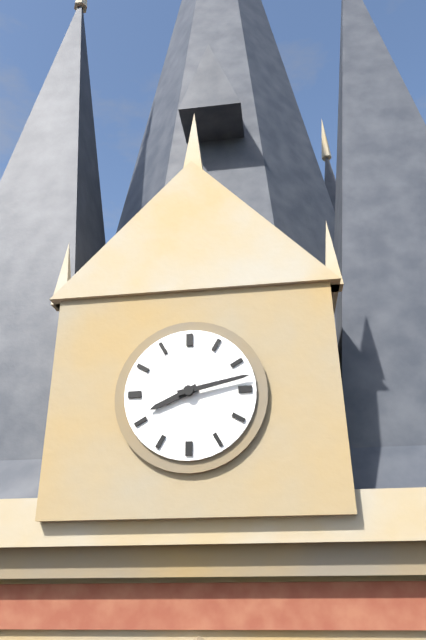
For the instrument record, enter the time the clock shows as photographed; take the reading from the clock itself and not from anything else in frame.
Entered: 8:13
